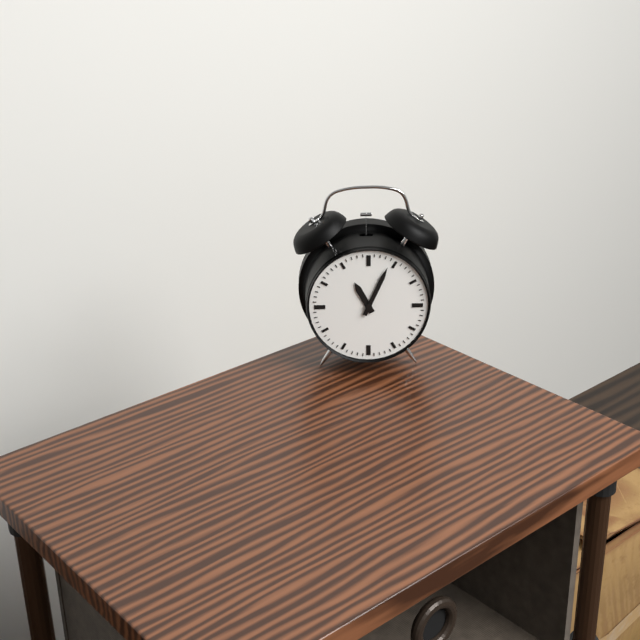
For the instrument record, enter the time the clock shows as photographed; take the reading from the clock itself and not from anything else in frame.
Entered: 11:04
